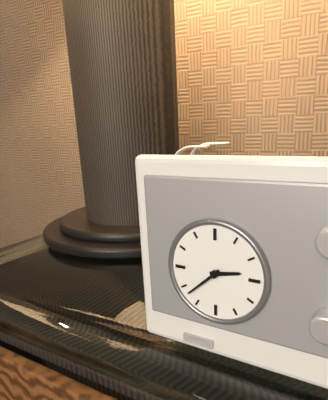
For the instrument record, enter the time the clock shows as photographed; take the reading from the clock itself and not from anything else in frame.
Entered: 2:38
